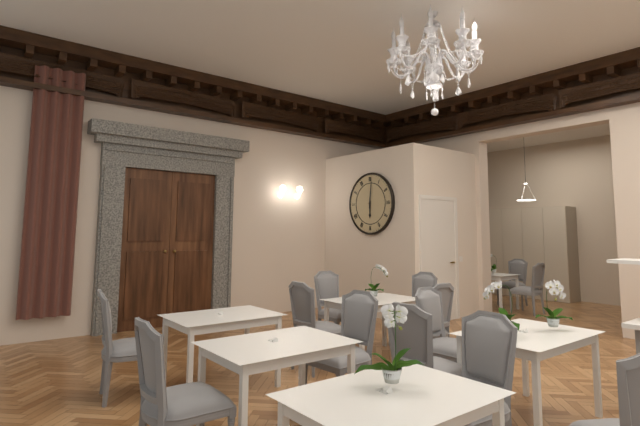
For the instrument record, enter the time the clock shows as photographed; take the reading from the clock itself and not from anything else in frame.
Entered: 6:01
